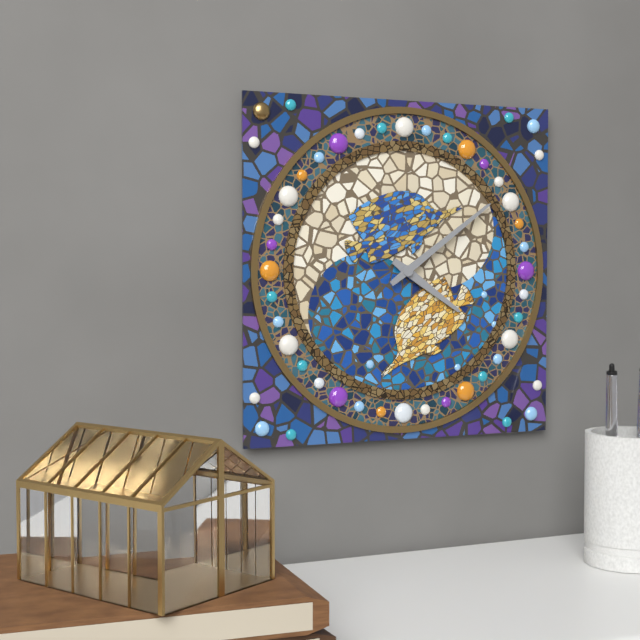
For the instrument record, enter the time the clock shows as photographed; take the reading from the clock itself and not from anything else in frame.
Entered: 4:09
